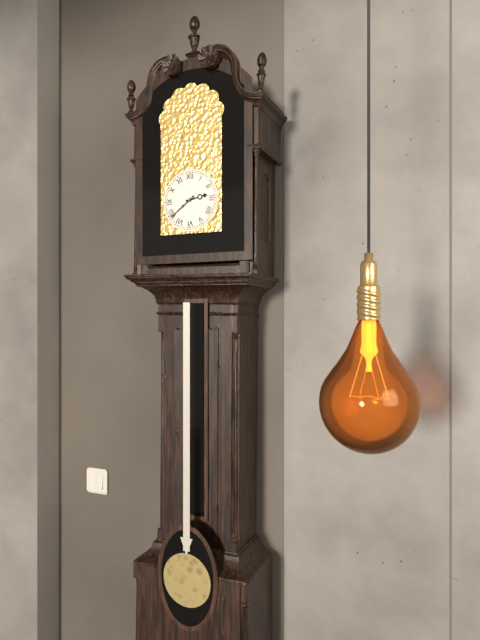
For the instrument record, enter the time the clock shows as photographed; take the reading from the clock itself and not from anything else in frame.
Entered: 2:39
